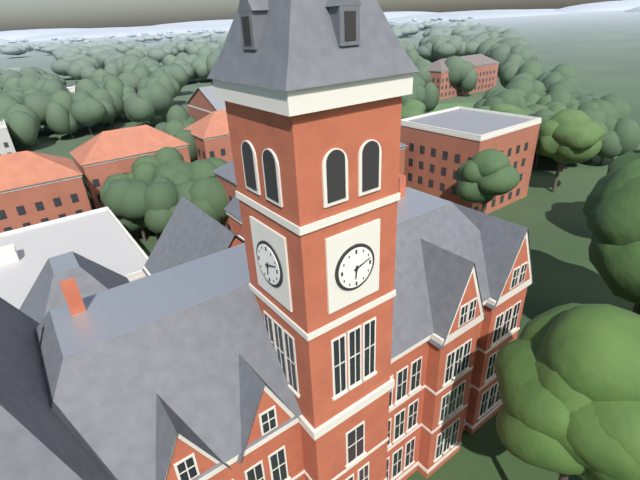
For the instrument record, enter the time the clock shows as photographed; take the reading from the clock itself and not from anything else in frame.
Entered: 6:12
